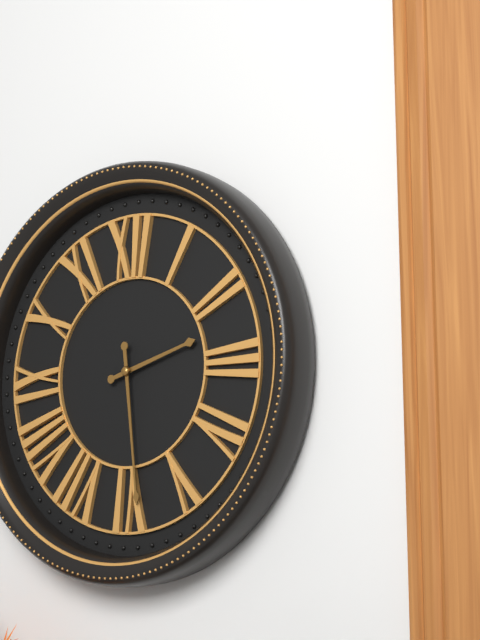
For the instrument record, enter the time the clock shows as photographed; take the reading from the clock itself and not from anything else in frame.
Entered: 2:29
